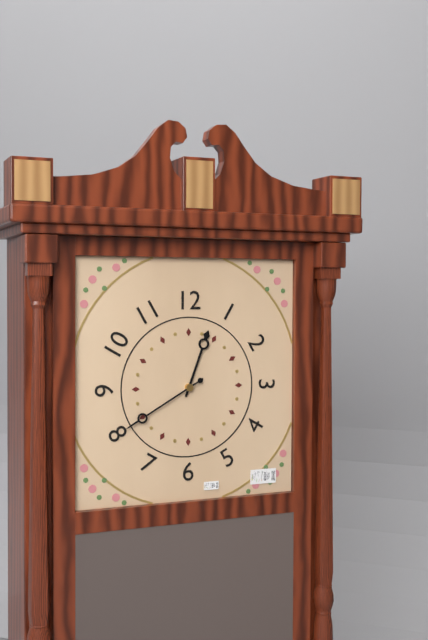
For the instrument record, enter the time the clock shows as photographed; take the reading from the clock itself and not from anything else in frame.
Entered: 12:40
